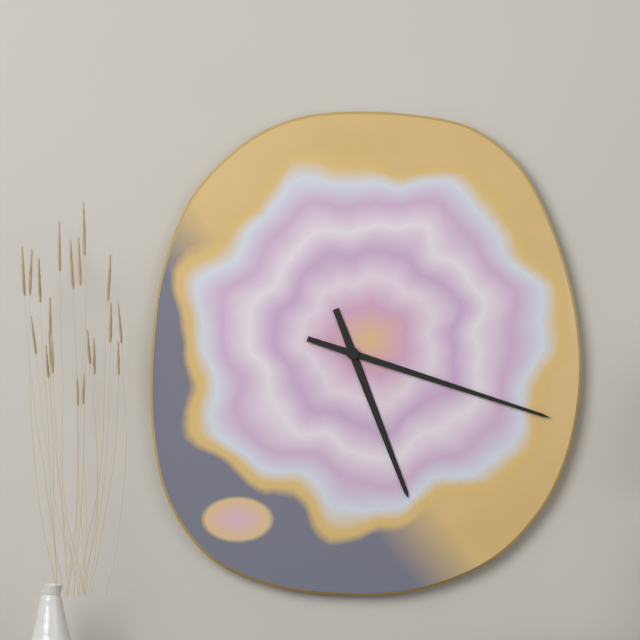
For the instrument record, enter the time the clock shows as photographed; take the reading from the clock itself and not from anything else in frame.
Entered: 5:18
